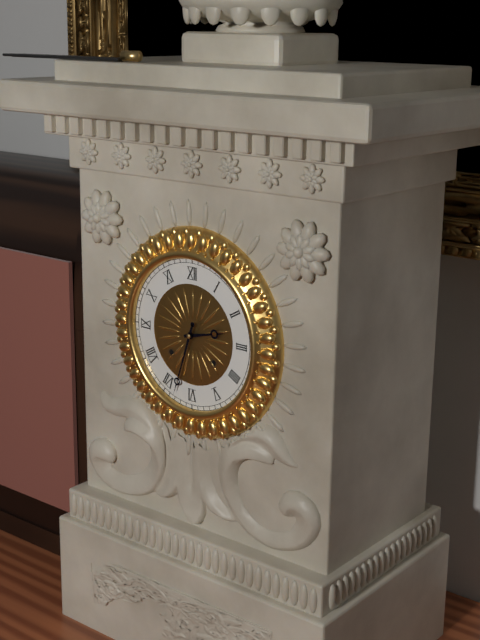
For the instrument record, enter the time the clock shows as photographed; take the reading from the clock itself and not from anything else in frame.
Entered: 2:33
